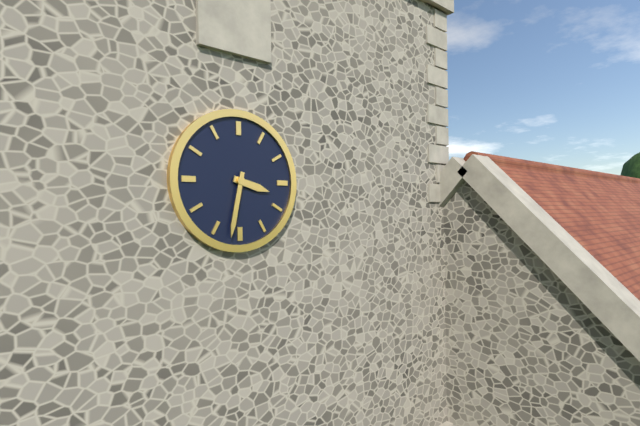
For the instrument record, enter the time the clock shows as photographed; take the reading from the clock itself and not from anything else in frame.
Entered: 3:32
